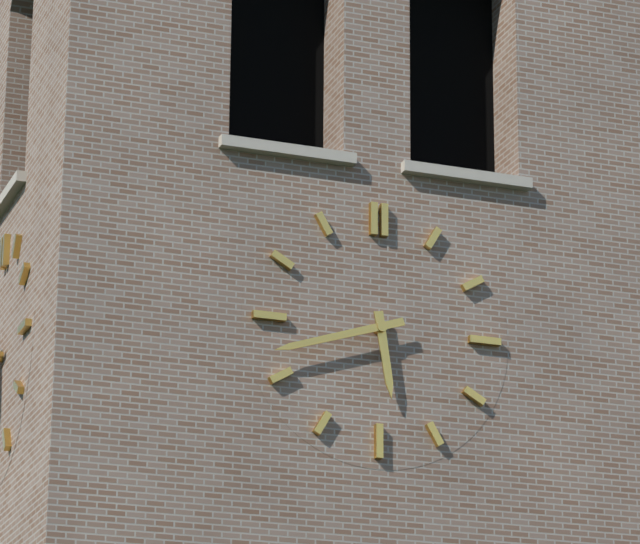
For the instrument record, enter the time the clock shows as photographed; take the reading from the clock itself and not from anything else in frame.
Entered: 5:42
